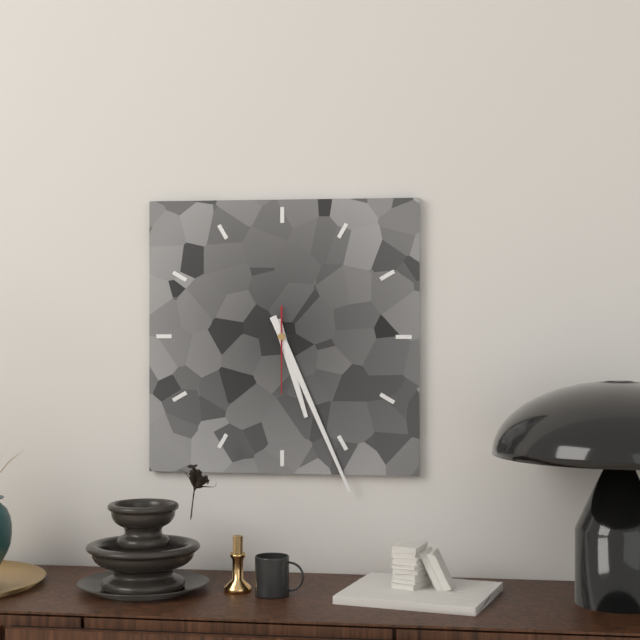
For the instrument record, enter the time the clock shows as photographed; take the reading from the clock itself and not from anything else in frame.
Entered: 5:26:30
